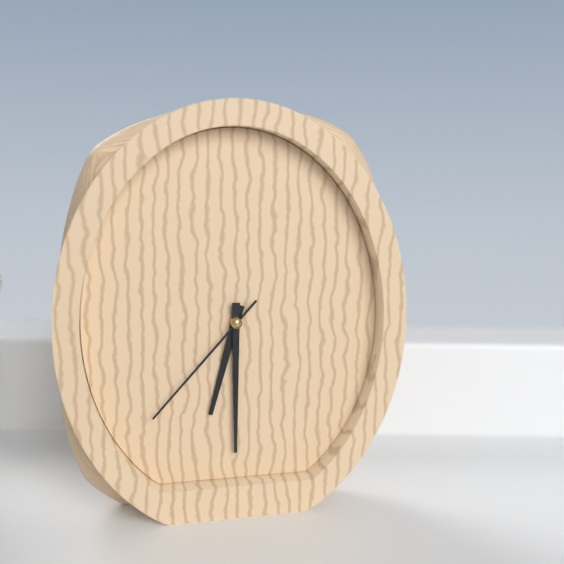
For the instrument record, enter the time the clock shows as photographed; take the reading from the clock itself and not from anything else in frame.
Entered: 6:30:37
